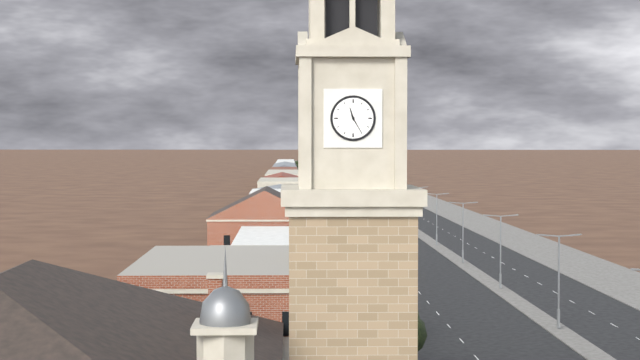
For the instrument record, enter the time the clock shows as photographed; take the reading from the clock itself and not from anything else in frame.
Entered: 11:25
